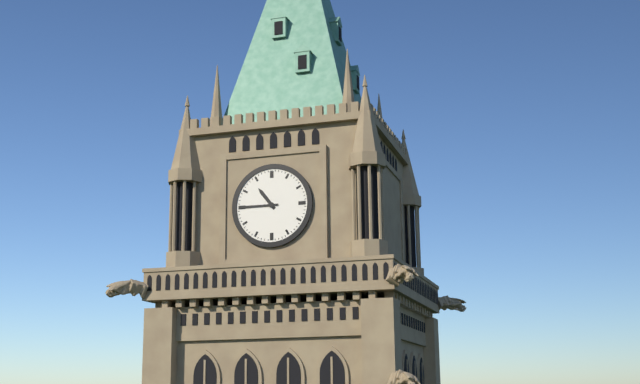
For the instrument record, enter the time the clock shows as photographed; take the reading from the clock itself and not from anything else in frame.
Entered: 10:45
